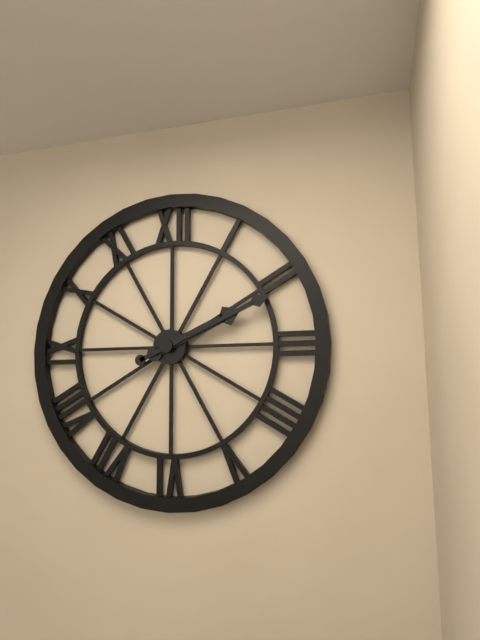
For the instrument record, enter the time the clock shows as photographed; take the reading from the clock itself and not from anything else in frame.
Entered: 2:11
